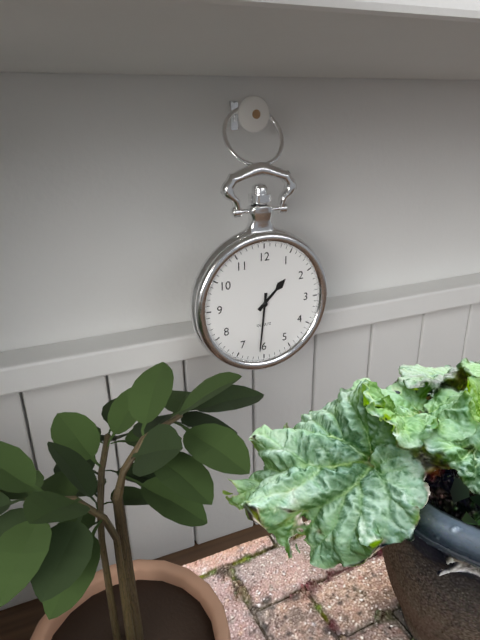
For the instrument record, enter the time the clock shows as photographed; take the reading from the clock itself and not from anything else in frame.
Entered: 1:31
